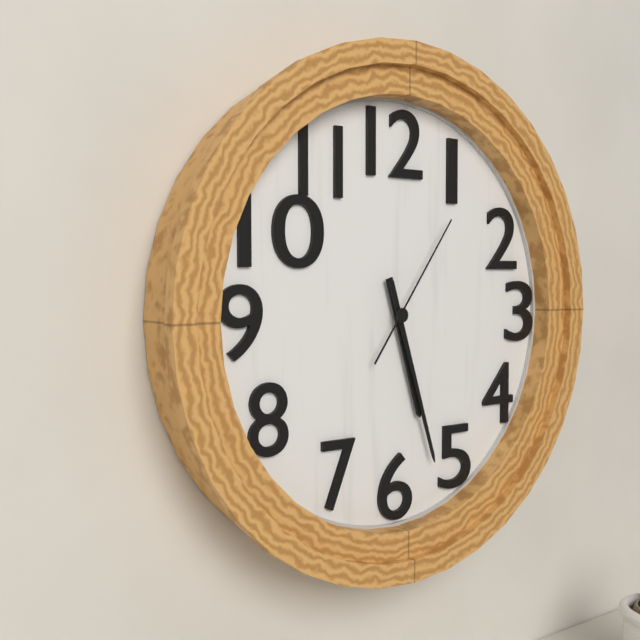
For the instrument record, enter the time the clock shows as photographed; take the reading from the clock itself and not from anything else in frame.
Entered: 5:27:06
